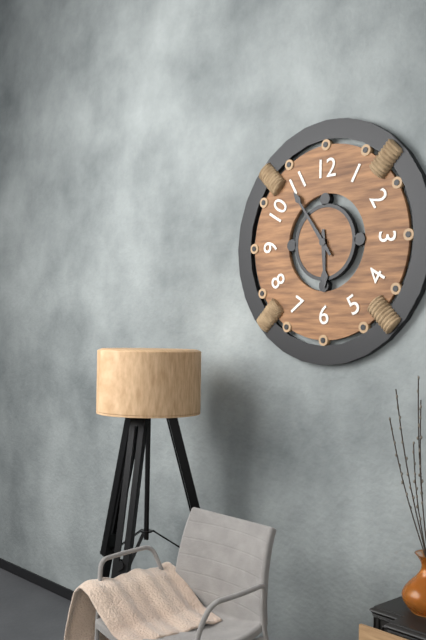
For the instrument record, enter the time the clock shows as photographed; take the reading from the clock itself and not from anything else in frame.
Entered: 5:54
